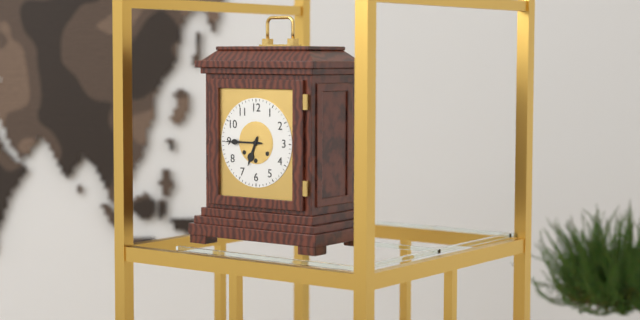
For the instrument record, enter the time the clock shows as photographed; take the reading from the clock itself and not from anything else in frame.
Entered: 6:45
